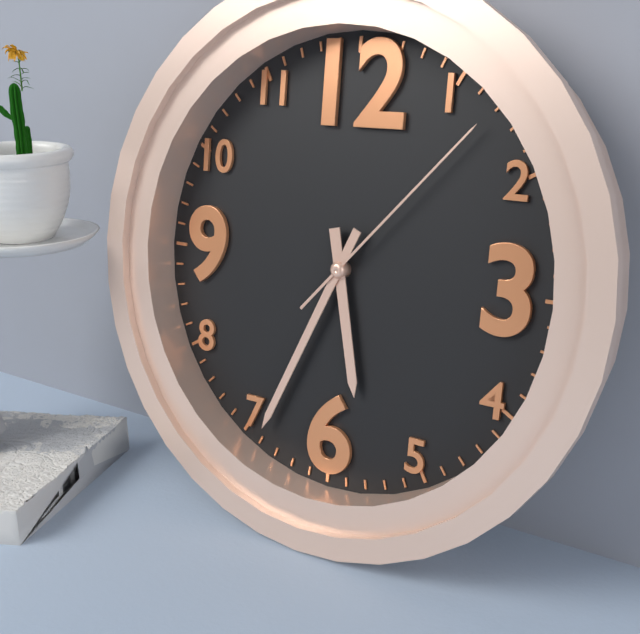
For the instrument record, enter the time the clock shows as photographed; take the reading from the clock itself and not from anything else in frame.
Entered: 5:34:07
